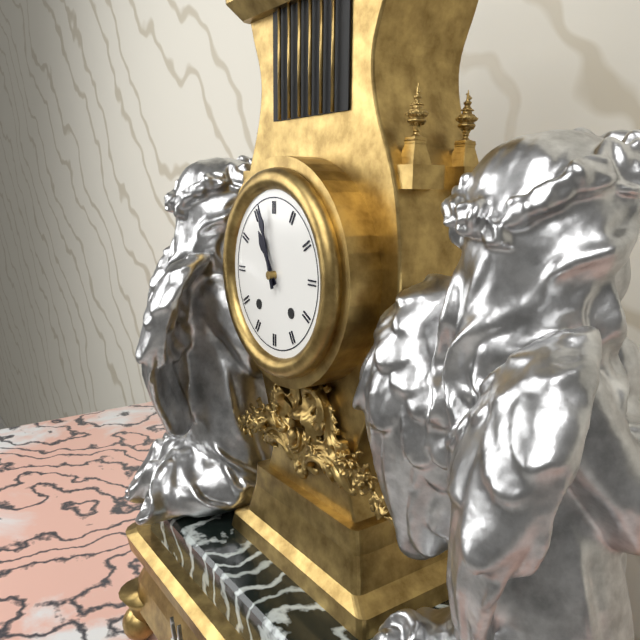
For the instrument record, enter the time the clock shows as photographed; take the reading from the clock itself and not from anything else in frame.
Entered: 10:57
